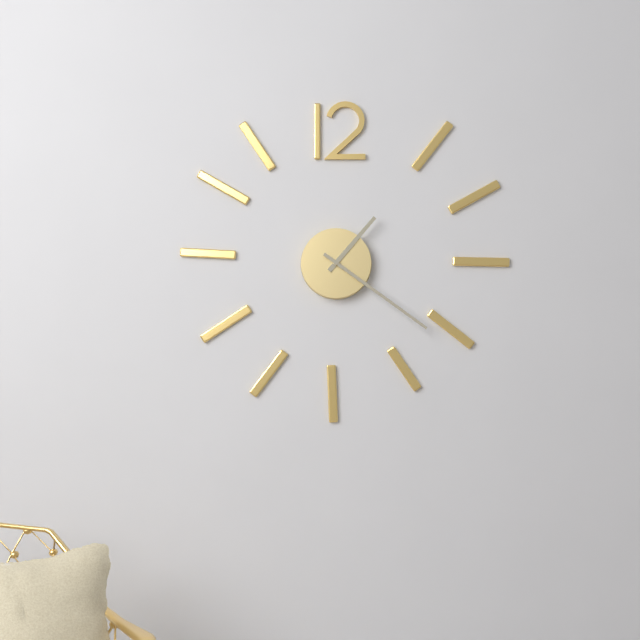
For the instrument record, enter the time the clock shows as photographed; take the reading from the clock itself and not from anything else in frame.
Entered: 1:21
